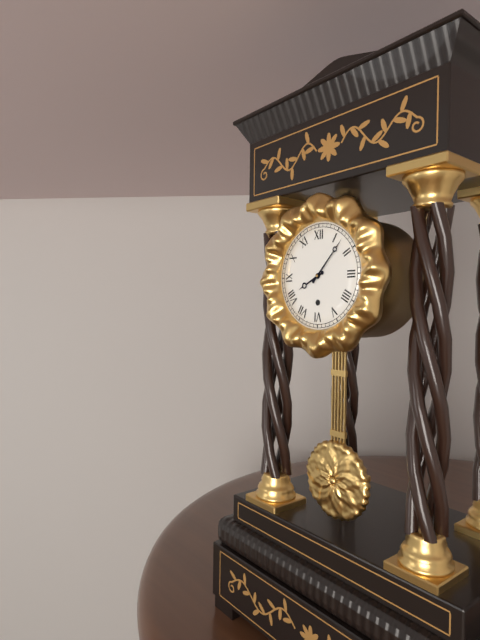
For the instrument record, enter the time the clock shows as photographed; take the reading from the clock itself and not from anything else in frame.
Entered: 8:07
